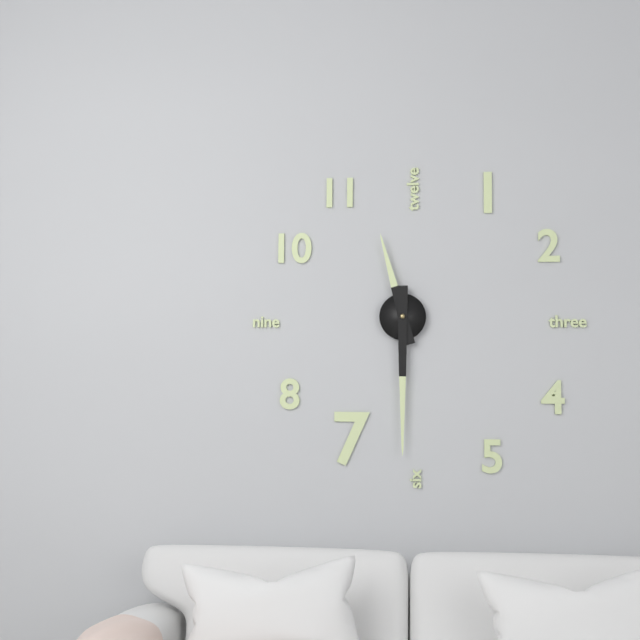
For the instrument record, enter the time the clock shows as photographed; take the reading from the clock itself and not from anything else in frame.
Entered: 11:30
